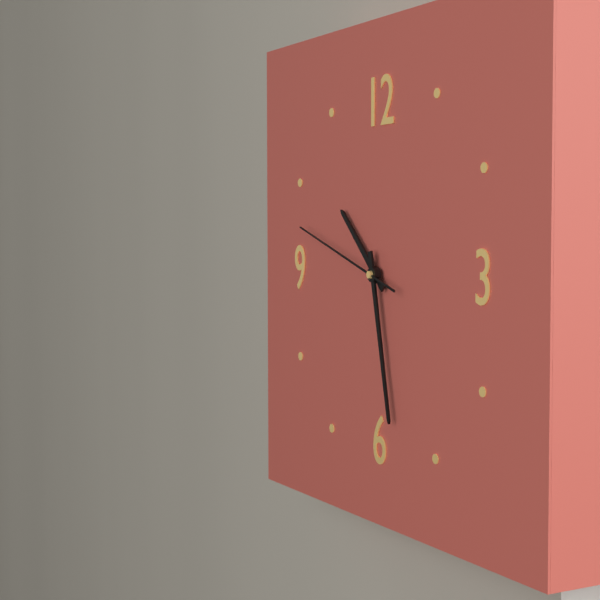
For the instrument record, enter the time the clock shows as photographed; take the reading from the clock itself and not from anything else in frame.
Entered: 10:28:48
